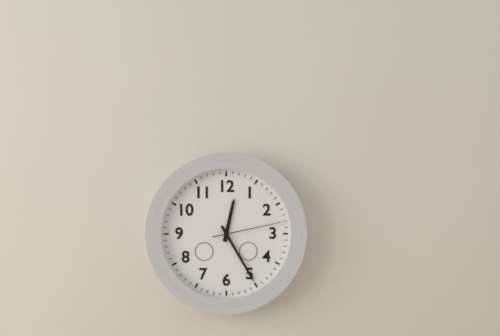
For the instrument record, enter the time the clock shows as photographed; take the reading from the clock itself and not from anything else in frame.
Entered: 12:25:13
